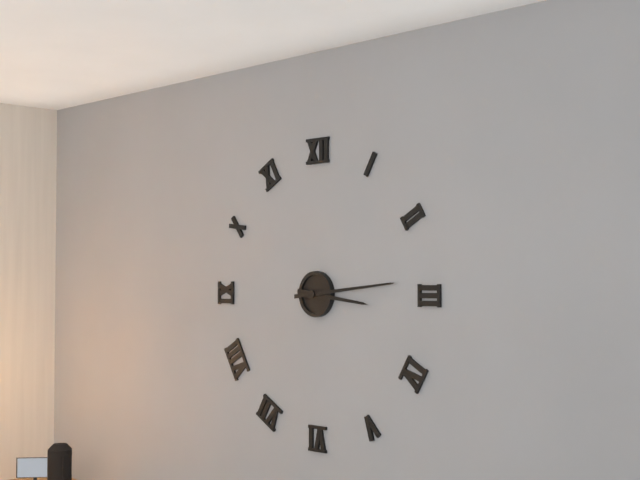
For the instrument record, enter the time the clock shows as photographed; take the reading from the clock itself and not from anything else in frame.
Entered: 3:14
